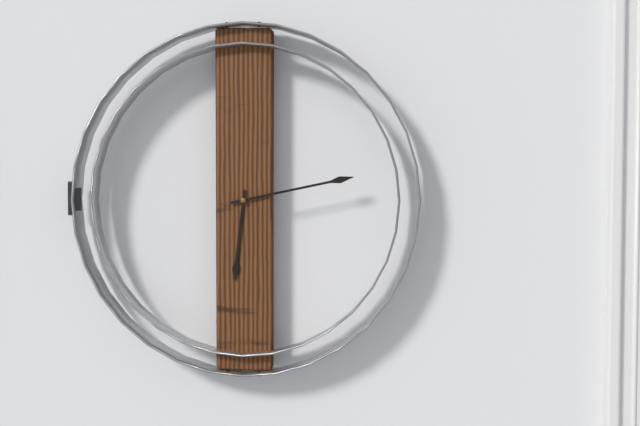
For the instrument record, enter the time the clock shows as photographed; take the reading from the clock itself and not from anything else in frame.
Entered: 6:13
